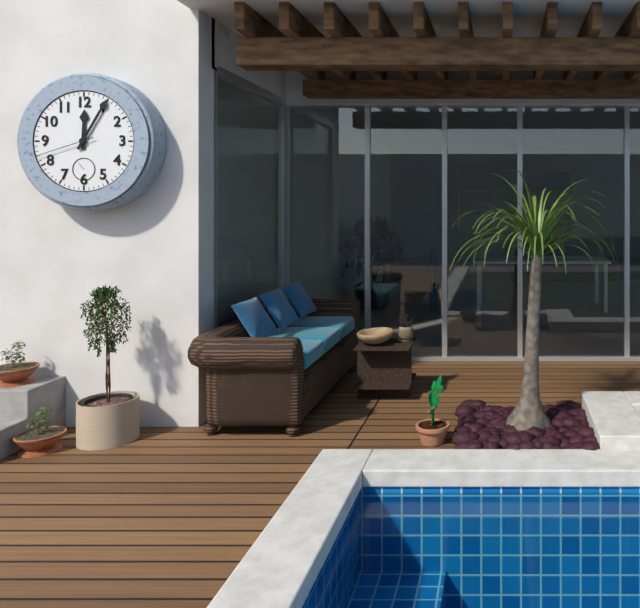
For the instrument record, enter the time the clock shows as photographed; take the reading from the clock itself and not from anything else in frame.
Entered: 12:05:42
